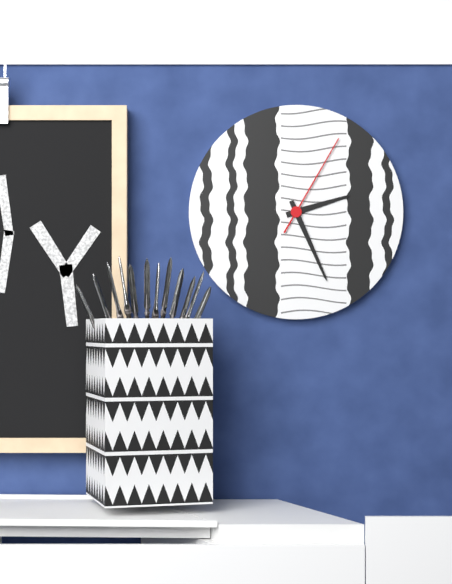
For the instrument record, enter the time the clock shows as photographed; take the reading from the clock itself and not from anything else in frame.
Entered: 2:26:05
